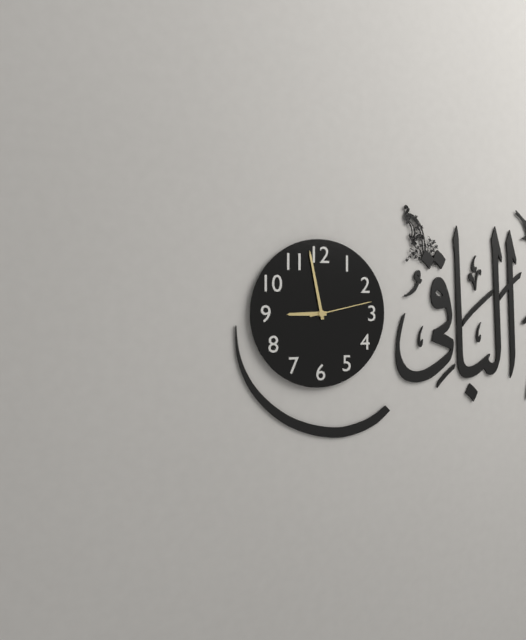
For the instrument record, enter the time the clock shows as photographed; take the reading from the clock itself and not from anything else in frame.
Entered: 8:58:13
